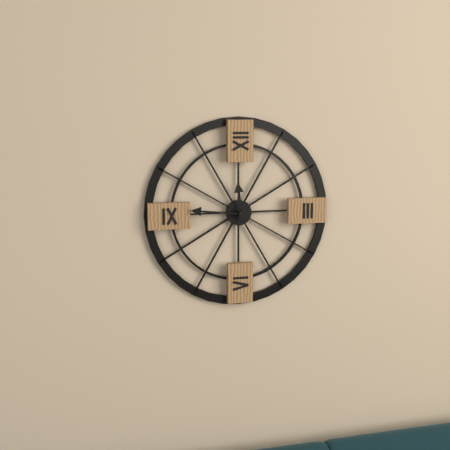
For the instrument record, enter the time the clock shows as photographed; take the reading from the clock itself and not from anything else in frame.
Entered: 11:46
